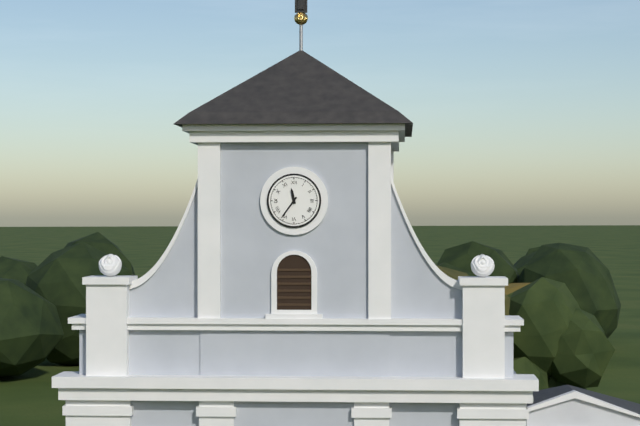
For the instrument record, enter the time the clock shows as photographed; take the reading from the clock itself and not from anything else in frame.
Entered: 11:36
